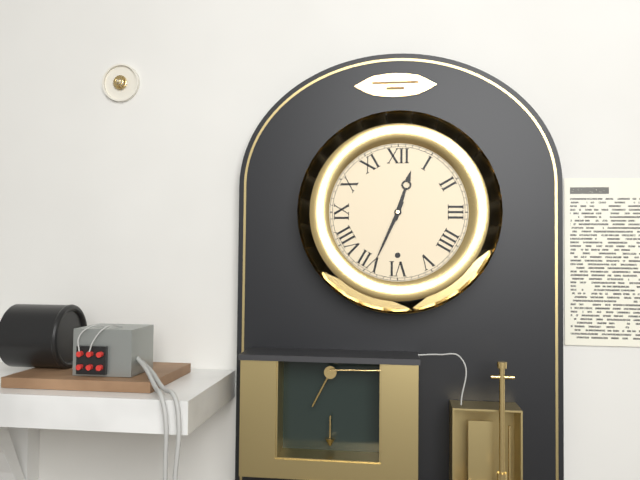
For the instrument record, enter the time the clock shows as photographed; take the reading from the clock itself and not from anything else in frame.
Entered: 12:34
